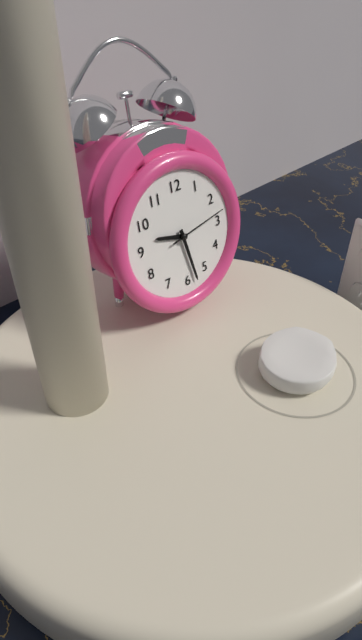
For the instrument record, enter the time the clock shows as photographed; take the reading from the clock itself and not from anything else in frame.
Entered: 9:28:13
